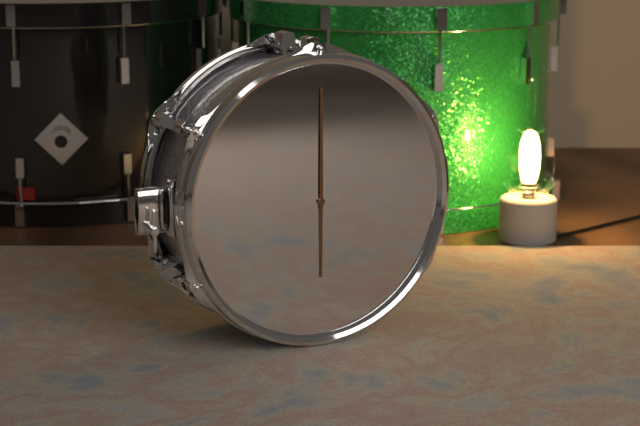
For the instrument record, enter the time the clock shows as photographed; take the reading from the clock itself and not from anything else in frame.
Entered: 6:00
